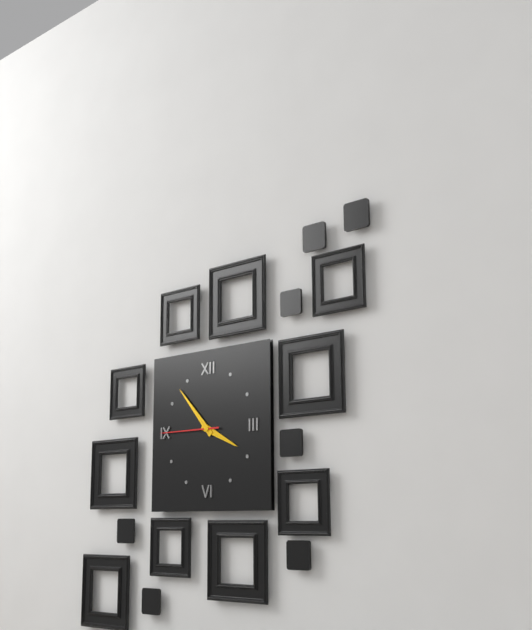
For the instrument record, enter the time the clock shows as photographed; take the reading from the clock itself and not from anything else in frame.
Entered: 3:53:45
